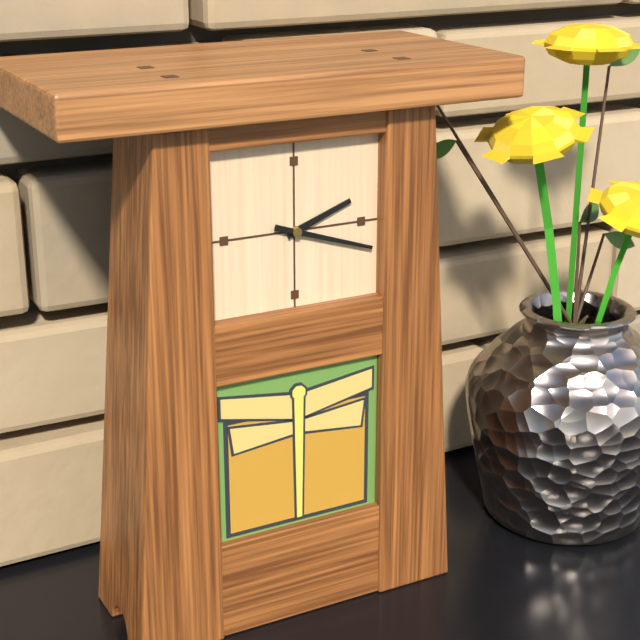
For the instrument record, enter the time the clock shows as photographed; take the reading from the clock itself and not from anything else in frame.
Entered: 2:18
